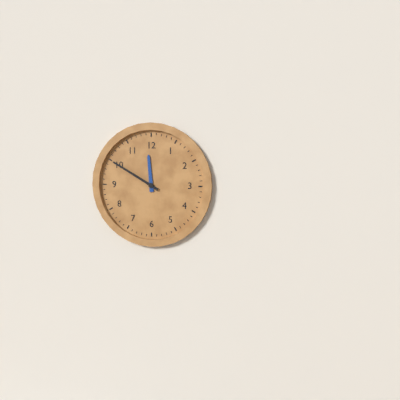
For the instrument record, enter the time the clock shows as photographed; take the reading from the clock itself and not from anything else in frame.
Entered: 11:50
